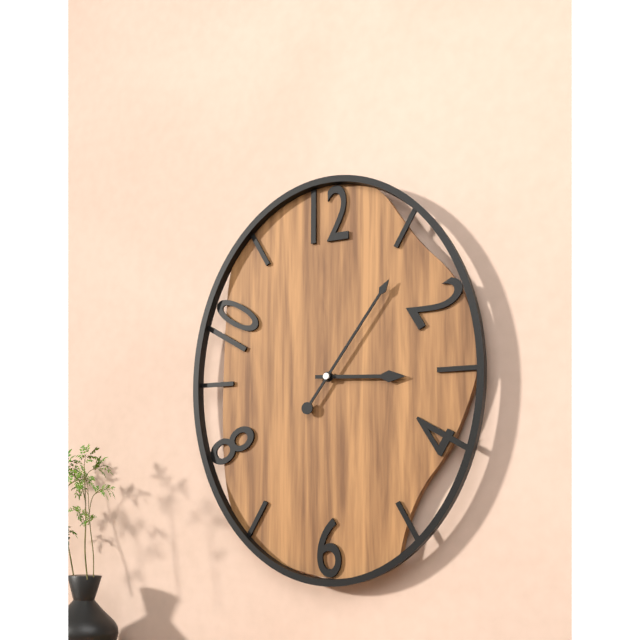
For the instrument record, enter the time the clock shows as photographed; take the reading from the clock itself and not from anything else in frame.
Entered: 3:06
